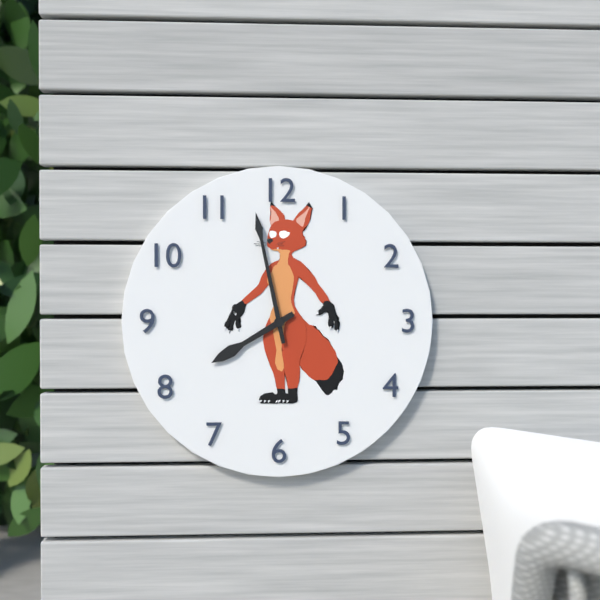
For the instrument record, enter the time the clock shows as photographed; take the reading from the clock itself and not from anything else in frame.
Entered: 7:58
